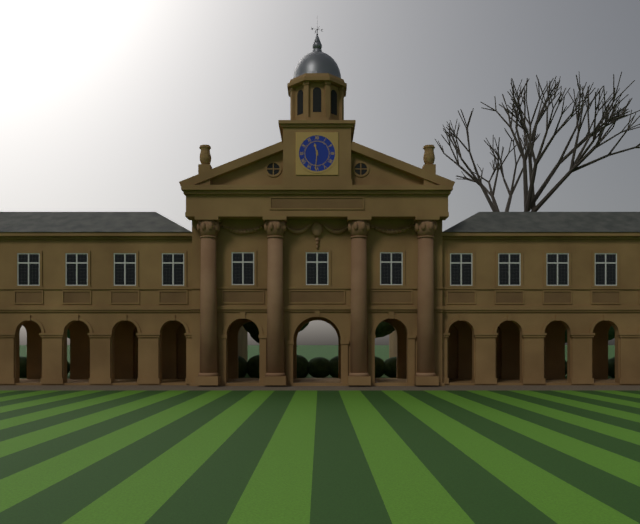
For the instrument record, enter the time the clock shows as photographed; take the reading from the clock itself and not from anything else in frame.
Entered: 11:31
